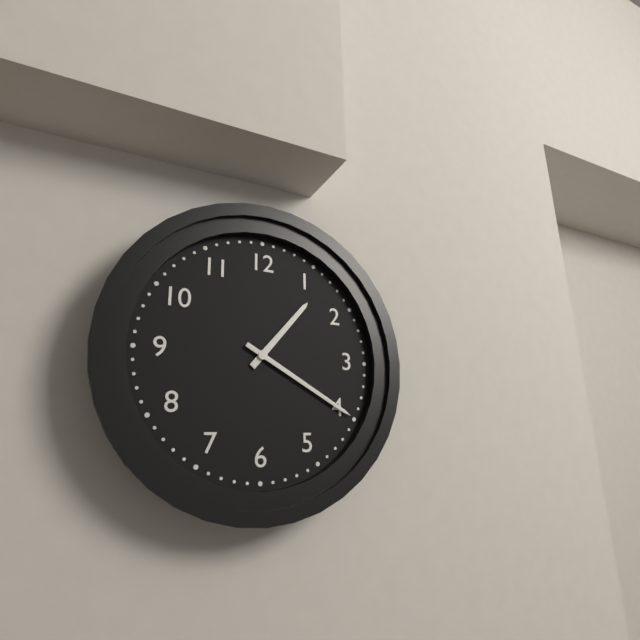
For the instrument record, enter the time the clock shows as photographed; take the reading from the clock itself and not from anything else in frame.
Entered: 1:20
